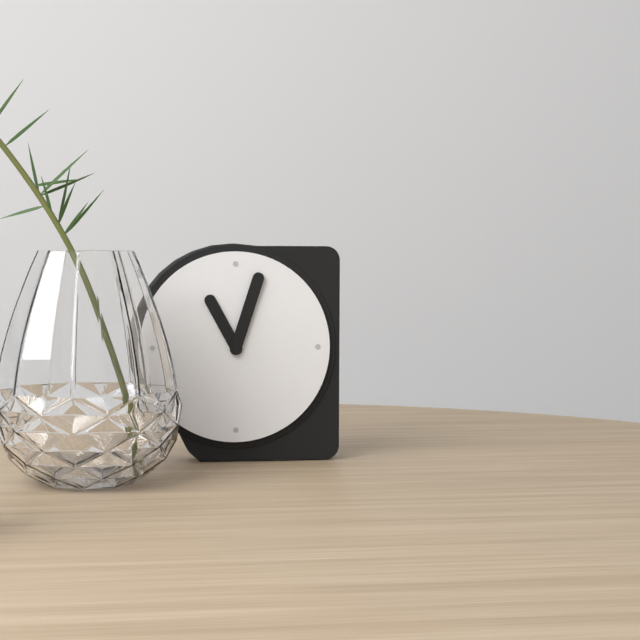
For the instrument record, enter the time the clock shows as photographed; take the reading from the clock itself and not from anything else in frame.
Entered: 11:03
